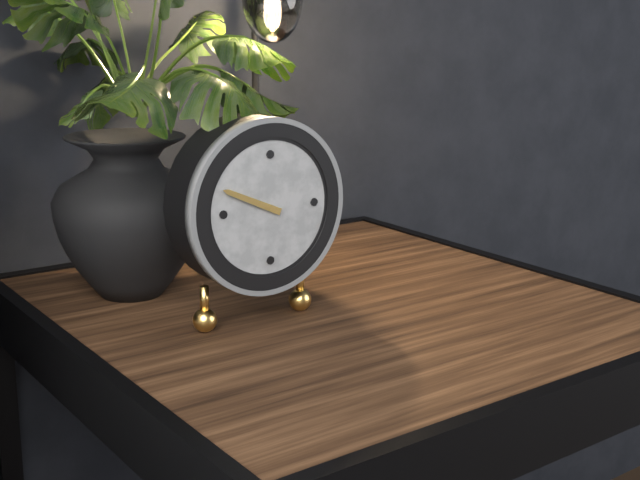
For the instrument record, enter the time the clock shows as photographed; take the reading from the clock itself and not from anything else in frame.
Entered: 9:49
